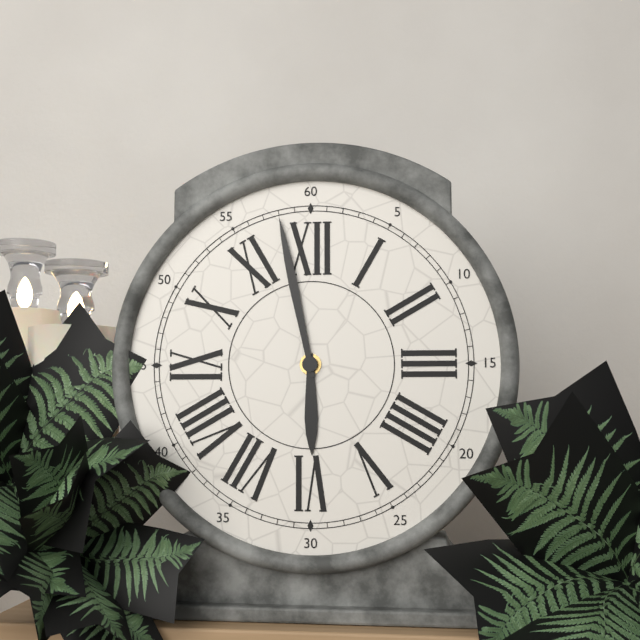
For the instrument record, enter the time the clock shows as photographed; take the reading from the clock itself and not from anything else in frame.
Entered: 5:58
